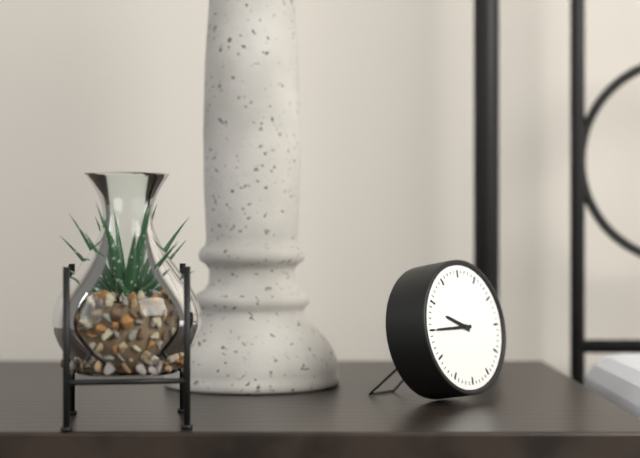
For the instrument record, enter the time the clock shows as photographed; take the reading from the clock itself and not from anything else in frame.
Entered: 9:45
